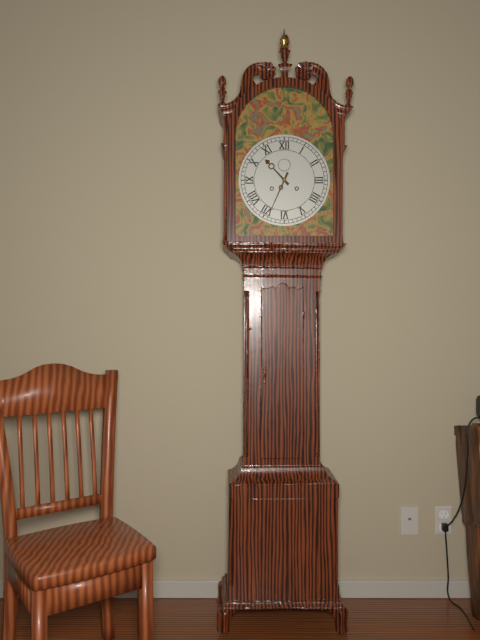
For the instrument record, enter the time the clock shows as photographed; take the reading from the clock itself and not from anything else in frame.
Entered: 10:34
